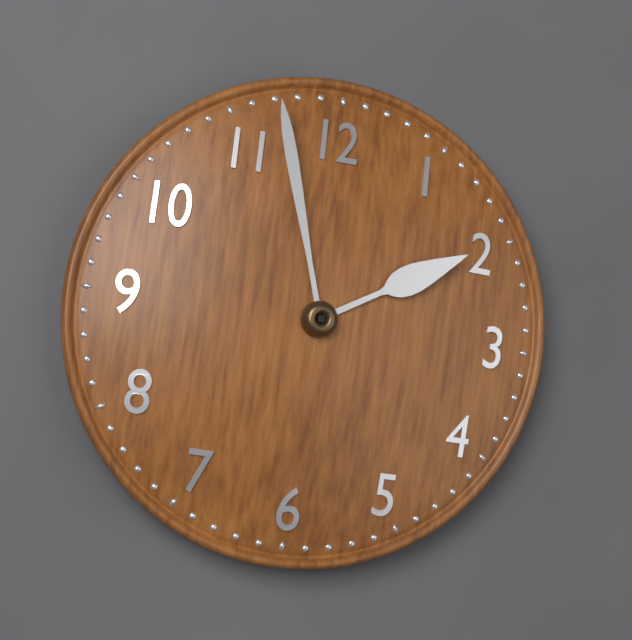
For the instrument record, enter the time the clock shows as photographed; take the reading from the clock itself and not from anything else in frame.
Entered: 1:57
